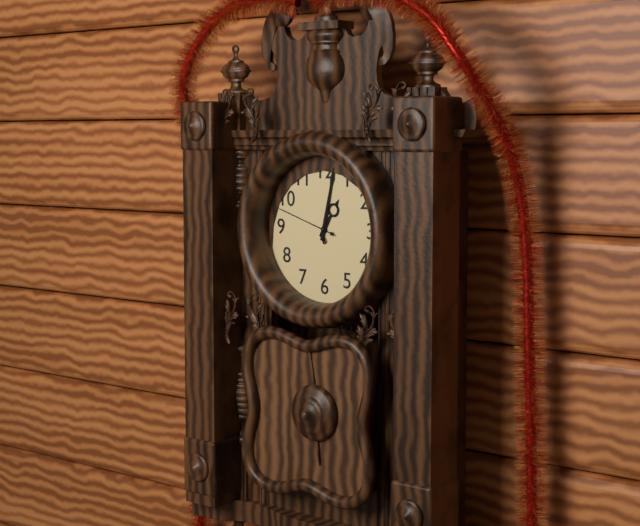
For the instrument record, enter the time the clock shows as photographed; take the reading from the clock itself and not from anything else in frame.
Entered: 1:02:48
